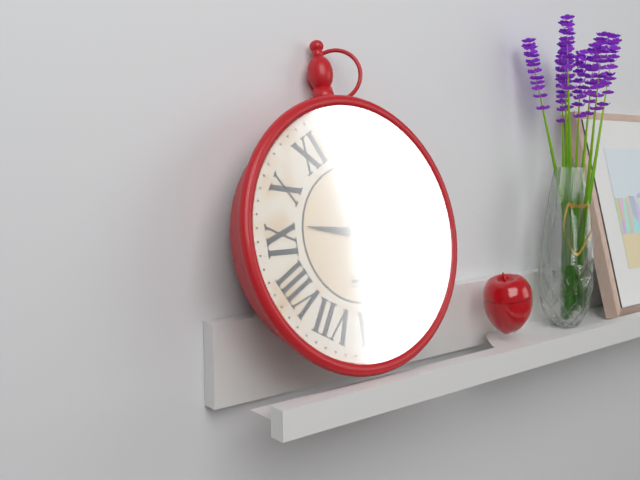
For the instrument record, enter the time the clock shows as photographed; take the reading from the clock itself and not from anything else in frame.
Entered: 9:19
